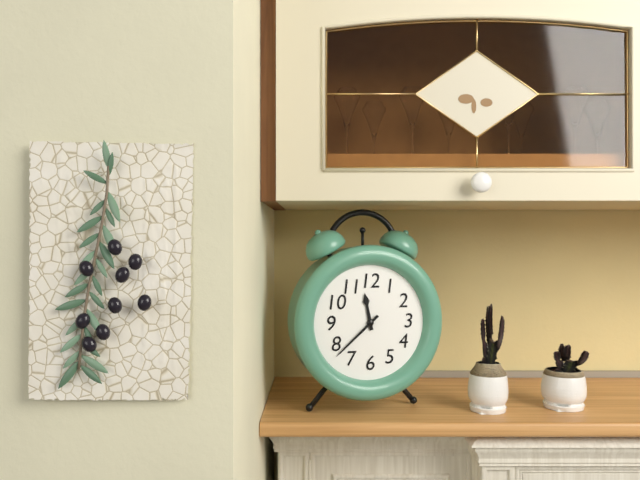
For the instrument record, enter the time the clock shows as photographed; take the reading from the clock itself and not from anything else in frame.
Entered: 11:38
